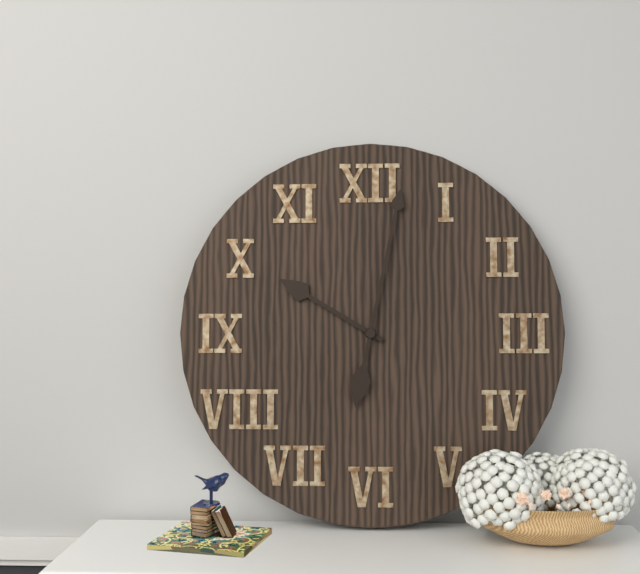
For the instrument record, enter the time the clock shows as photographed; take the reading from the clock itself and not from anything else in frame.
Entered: 10:02
